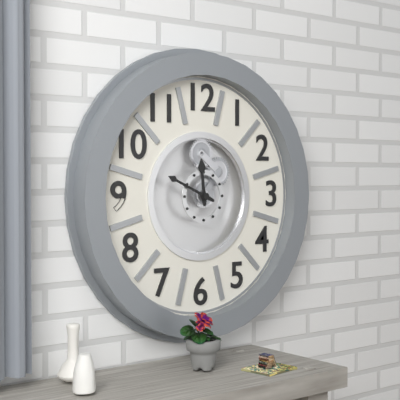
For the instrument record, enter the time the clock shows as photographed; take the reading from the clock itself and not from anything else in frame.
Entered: 11:49
